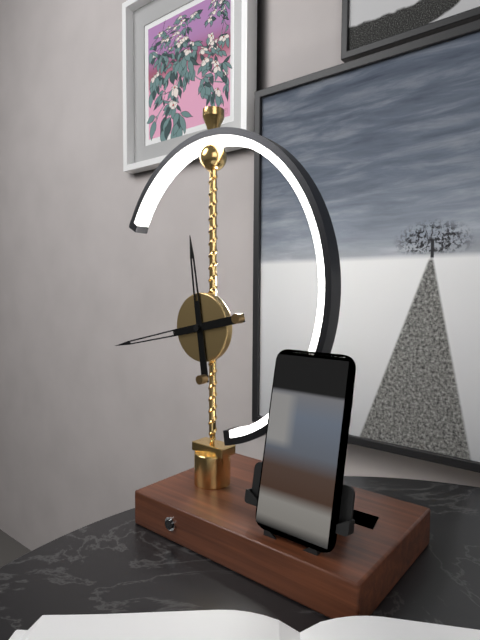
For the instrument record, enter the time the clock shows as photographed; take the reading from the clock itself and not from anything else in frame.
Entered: 11:43
